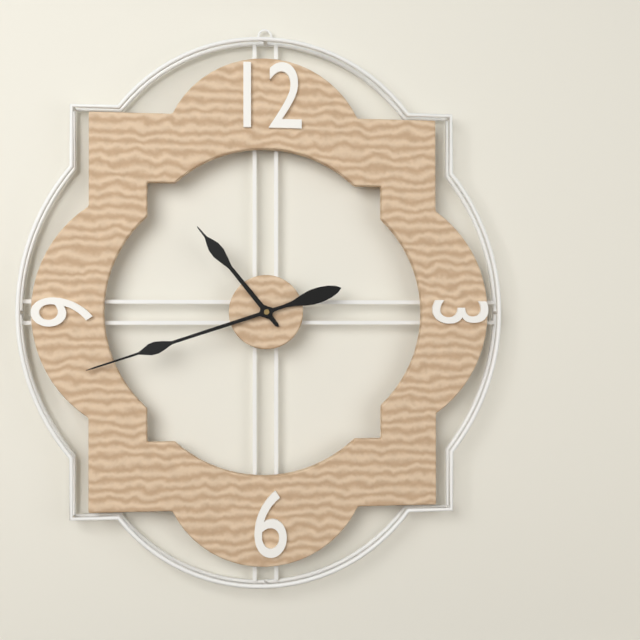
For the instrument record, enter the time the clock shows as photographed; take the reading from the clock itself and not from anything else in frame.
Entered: 10:42
